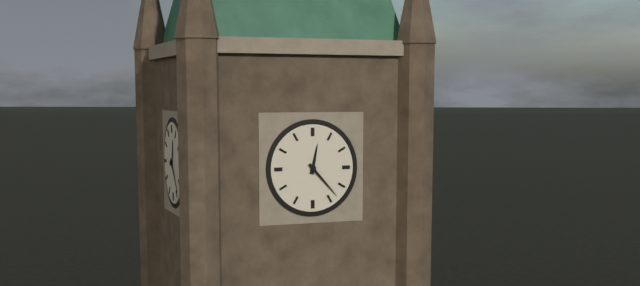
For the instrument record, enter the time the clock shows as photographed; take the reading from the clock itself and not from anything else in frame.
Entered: 12:23
